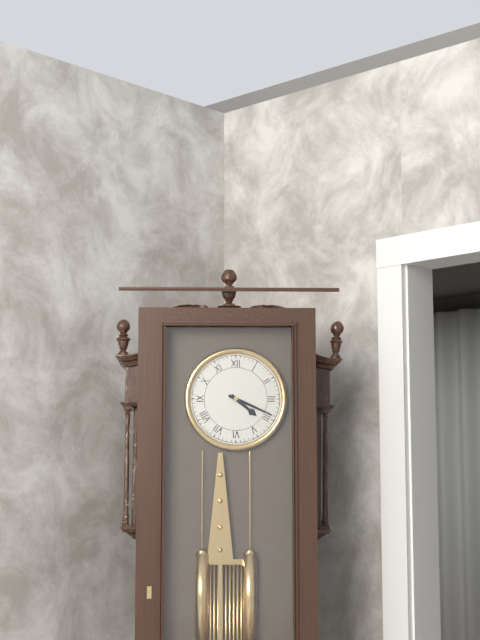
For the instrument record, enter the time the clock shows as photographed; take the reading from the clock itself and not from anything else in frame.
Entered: 4:19
